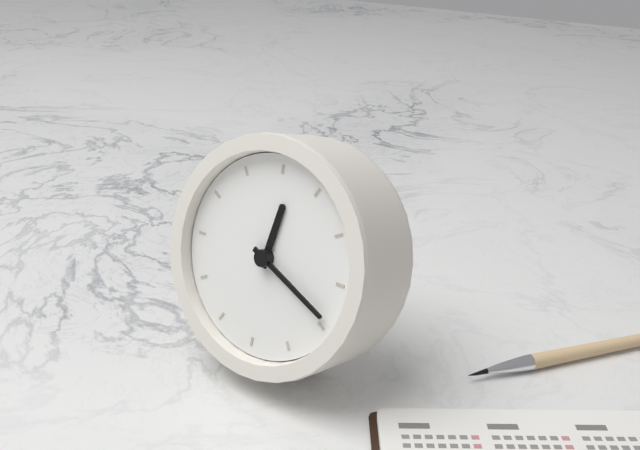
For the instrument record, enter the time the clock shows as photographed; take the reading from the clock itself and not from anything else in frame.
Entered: 12:19
